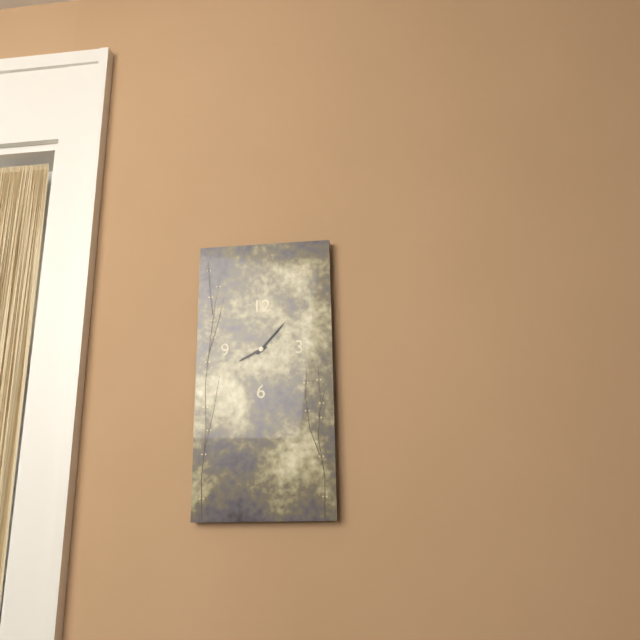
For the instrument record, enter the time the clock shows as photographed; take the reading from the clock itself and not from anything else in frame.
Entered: 8:07
